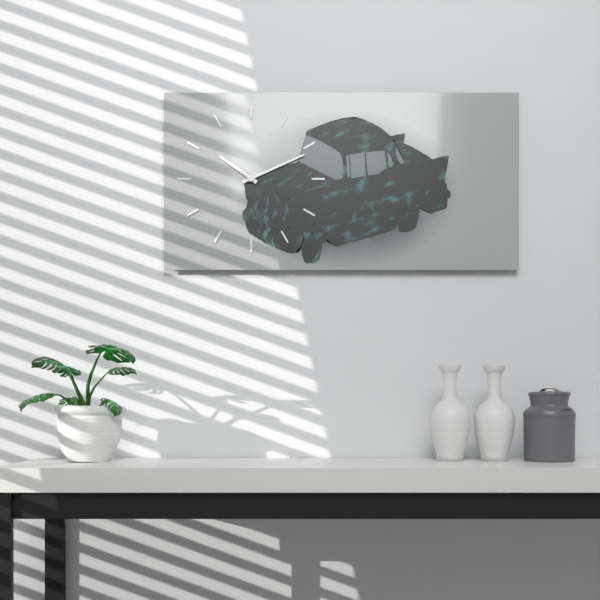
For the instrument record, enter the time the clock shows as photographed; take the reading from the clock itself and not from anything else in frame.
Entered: 10:11
